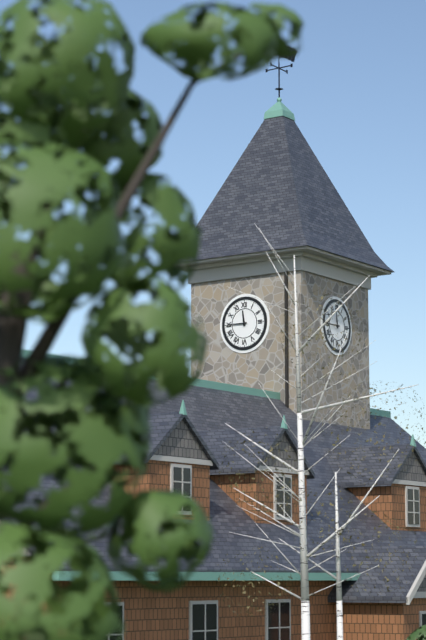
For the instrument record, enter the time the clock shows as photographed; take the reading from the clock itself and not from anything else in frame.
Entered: 11:45
